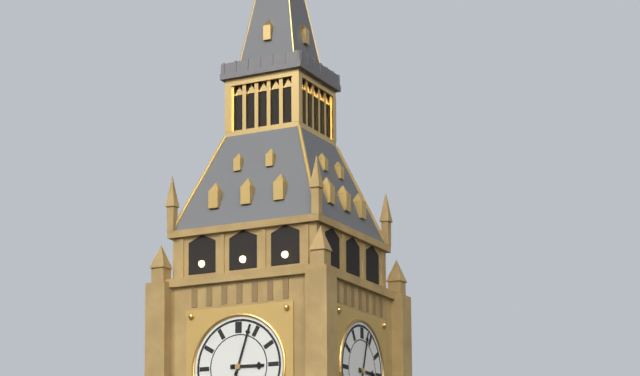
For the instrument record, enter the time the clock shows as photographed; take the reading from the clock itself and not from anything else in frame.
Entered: 3:03
